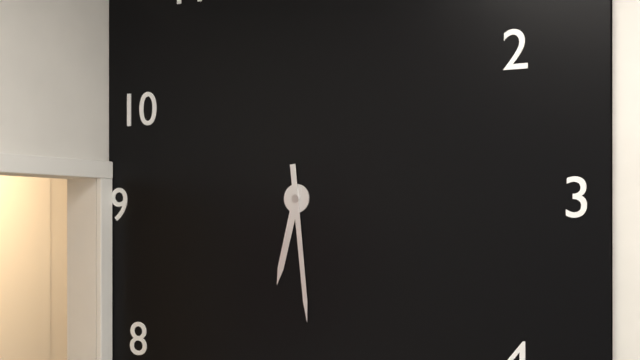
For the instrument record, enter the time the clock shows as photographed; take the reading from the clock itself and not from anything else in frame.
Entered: 6:29
